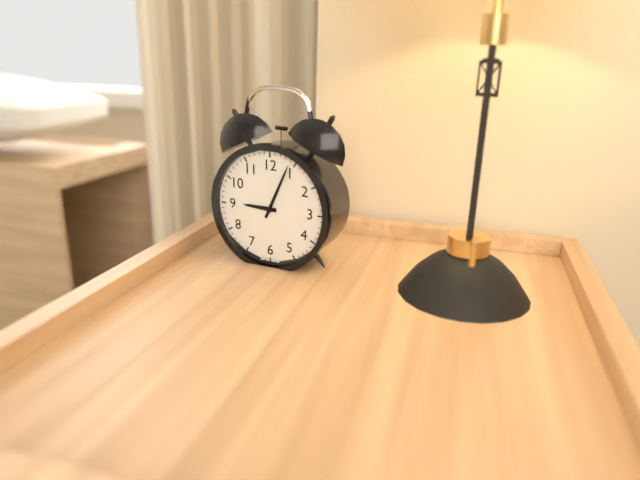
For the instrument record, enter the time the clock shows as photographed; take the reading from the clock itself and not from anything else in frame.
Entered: 9:04
